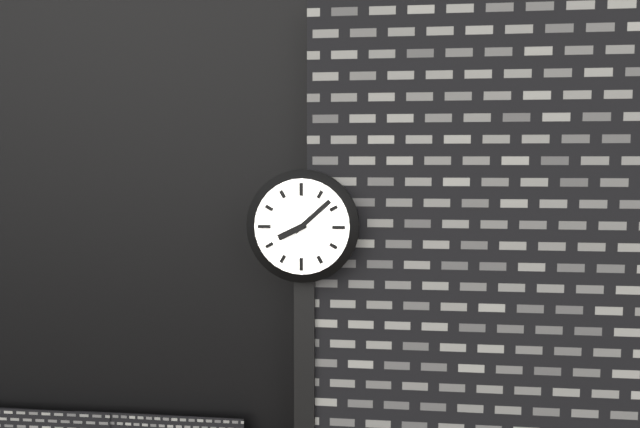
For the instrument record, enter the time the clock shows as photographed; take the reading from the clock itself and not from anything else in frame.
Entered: 8:08
